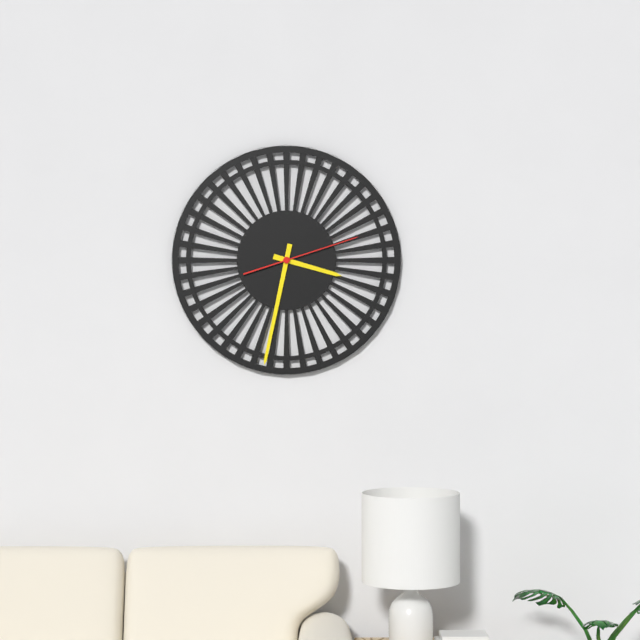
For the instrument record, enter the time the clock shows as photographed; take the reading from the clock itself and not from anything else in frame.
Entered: 3:32:12
